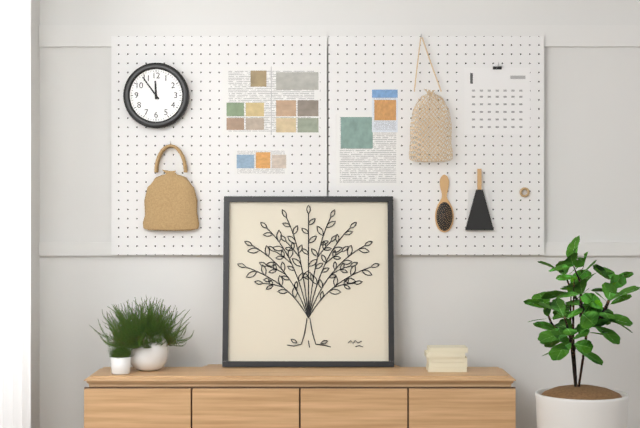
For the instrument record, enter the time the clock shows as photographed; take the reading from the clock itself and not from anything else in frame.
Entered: 11:54
